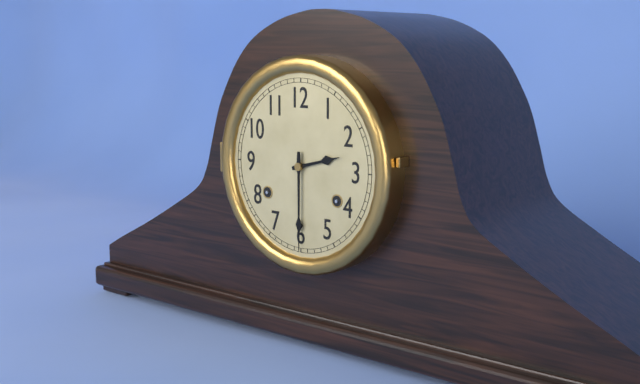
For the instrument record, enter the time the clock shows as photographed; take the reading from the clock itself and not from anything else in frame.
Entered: 2:30
